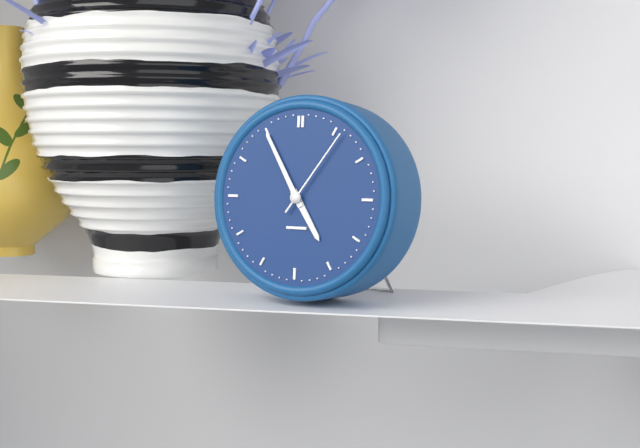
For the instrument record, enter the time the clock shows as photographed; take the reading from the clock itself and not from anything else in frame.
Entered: 4:55:06
